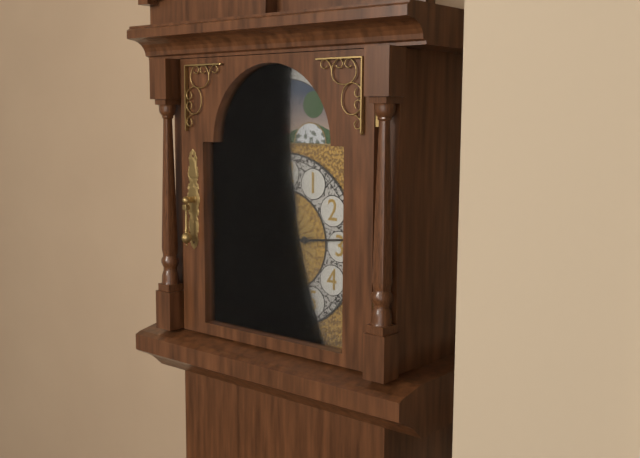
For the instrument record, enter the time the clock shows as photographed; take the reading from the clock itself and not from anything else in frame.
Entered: 12:14
